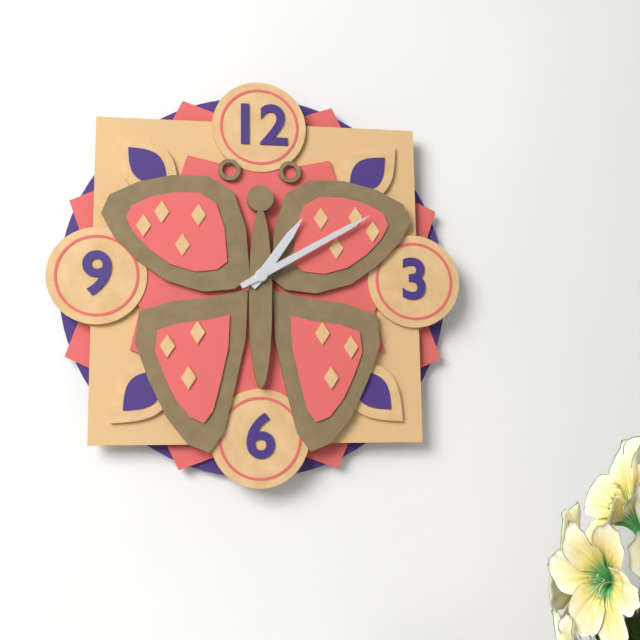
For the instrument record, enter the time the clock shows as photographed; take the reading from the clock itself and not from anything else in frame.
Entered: 1:10
